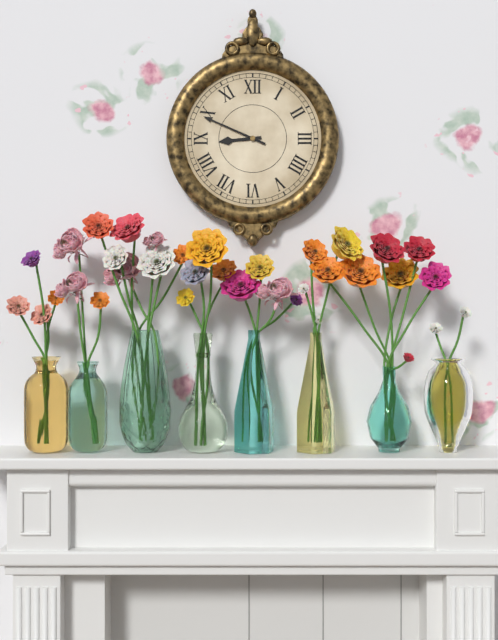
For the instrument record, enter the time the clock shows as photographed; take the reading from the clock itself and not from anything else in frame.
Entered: 8:49
